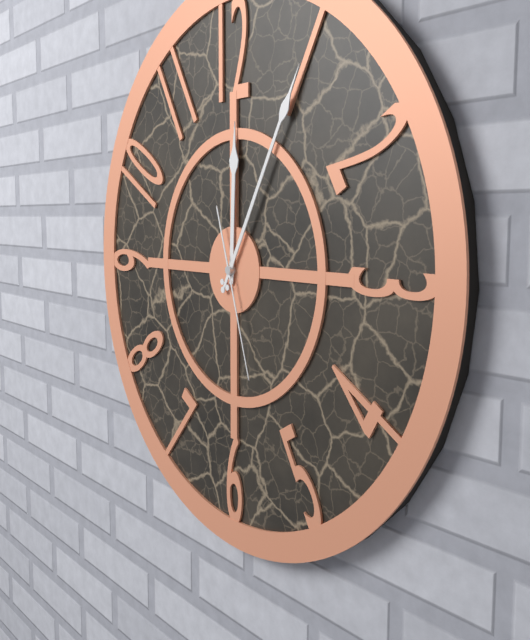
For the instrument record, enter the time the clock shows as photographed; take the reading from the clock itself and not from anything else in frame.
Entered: 12:05:27
